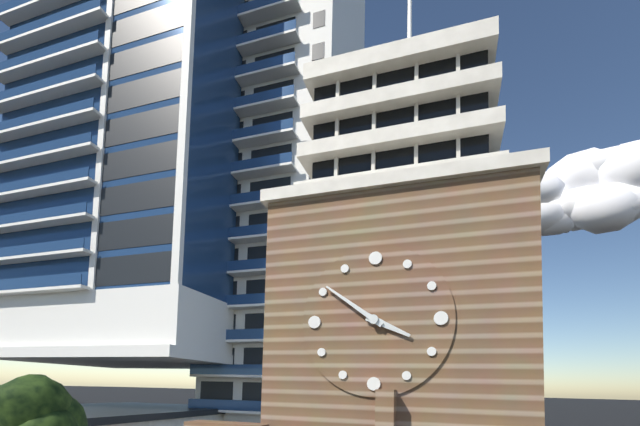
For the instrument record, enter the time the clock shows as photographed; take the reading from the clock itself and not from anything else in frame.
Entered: 3:51
